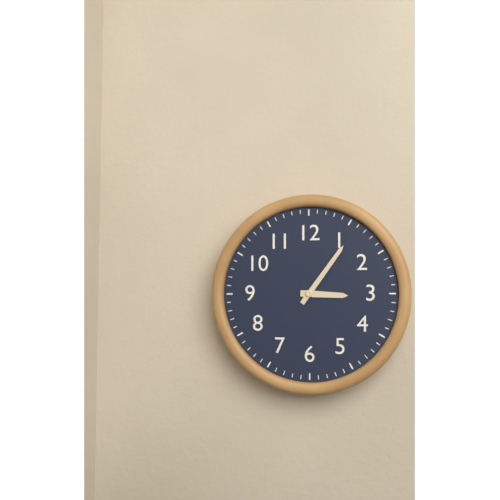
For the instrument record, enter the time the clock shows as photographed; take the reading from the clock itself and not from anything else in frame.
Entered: 3:06
